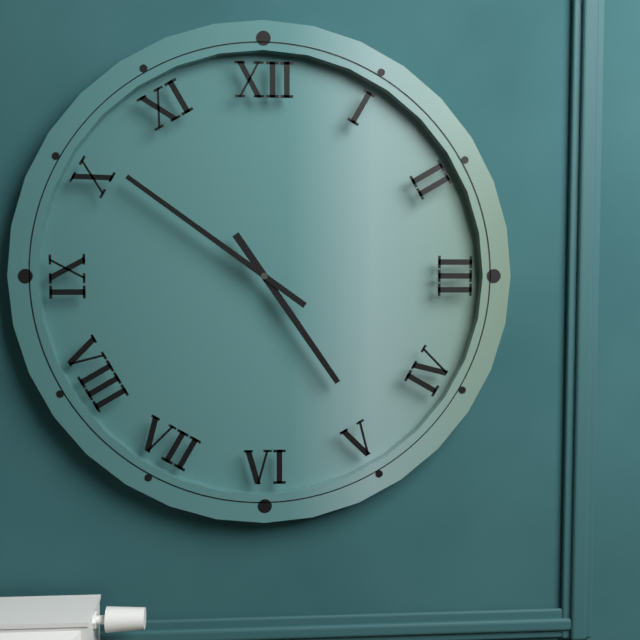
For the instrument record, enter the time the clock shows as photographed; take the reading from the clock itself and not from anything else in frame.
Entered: 4:51
